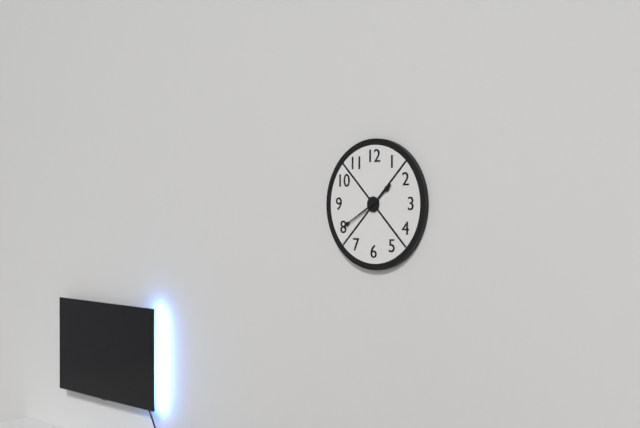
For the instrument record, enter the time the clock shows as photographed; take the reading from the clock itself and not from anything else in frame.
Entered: 1:40
